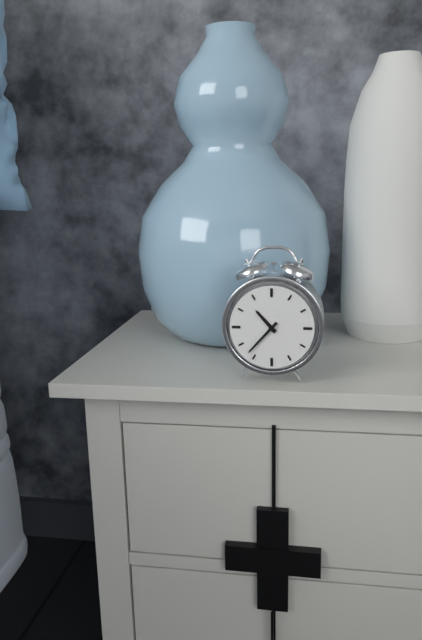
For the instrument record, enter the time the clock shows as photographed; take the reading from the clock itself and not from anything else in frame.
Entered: 10:37
